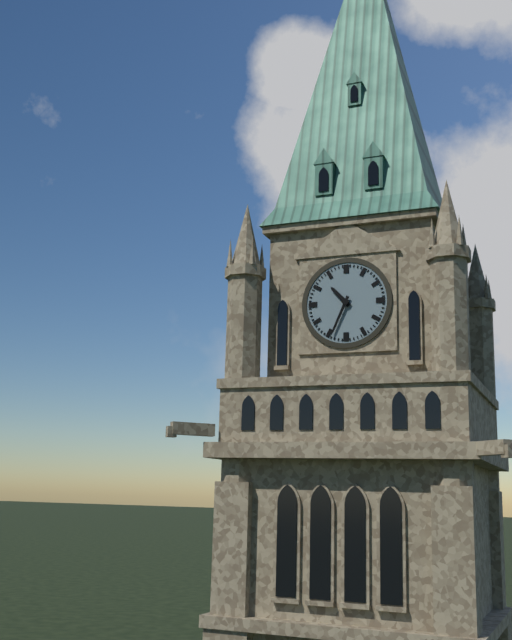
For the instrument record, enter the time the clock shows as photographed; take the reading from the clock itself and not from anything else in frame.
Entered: 10:34
